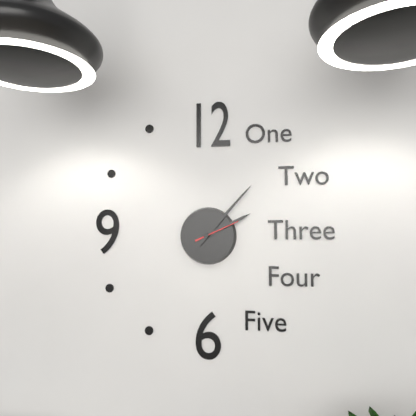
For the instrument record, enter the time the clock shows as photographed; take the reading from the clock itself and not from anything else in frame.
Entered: 2:07
